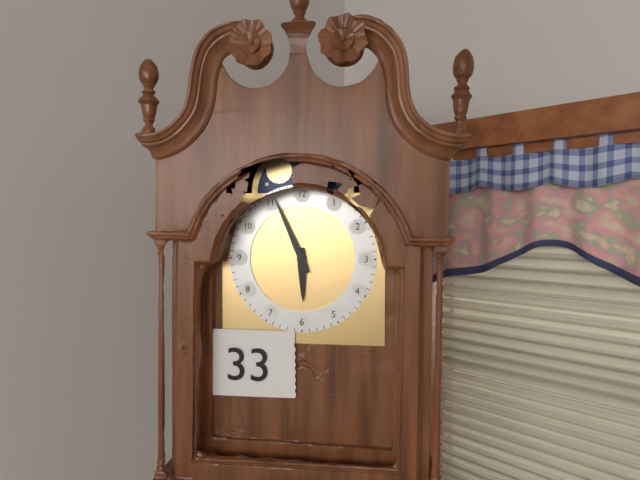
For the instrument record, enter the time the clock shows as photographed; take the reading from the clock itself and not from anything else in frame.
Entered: 5:56
